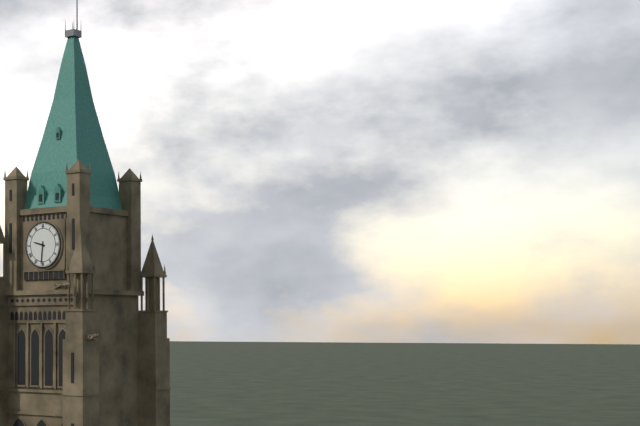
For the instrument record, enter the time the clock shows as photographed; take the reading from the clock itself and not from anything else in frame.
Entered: 9:31
